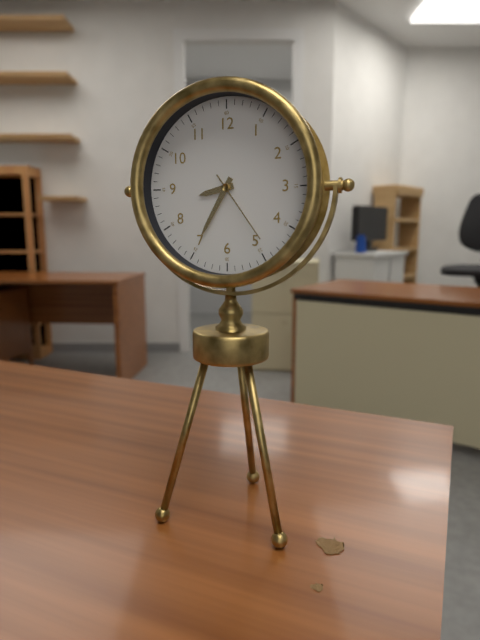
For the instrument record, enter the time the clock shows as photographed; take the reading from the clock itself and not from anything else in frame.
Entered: 8:35:24
